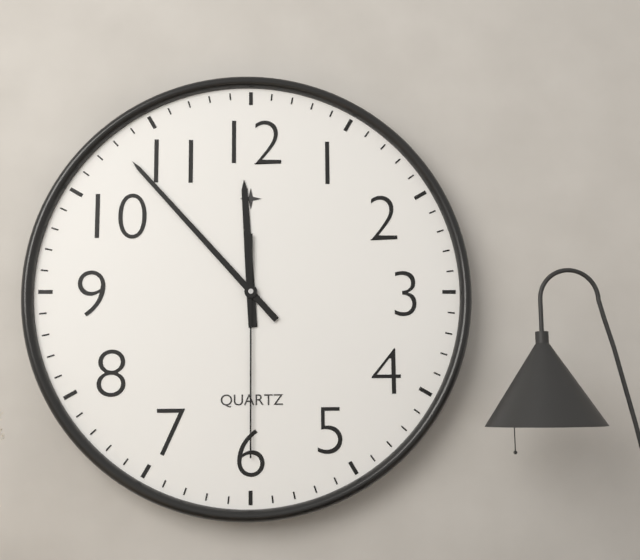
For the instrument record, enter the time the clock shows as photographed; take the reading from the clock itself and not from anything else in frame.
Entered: 11:53:30
